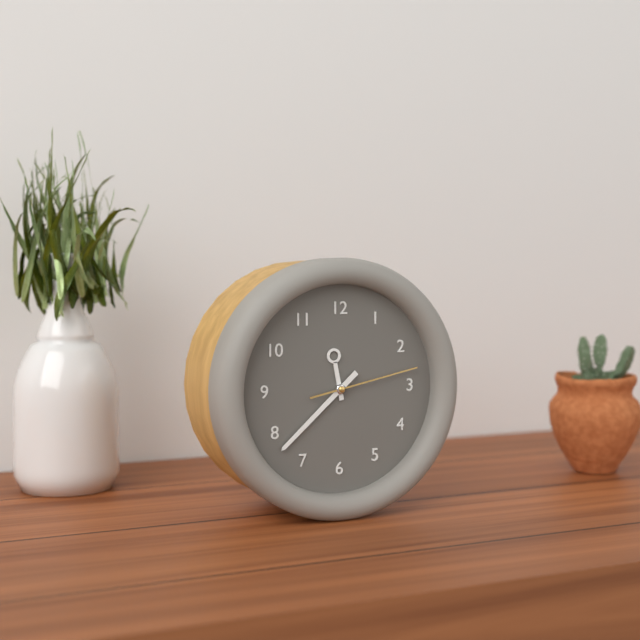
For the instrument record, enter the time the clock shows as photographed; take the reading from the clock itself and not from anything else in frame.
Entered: 11:38:13
